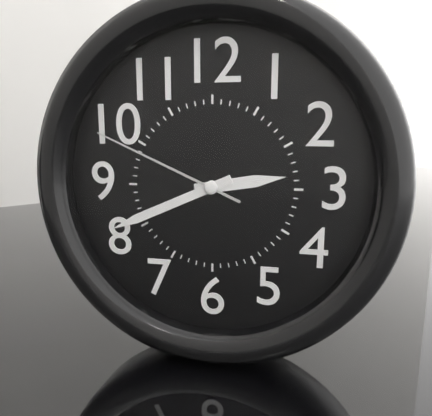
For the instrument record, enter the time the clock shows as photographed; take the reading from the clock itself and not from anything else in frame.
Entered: 2:41:49
